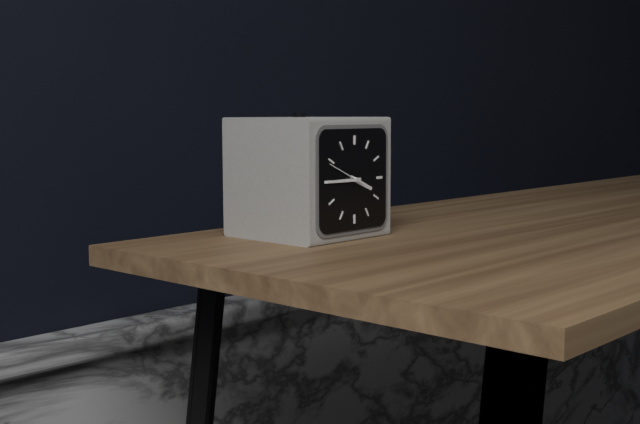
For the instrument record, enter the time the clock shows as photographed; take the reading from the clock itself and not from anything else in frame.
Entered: 3:45
